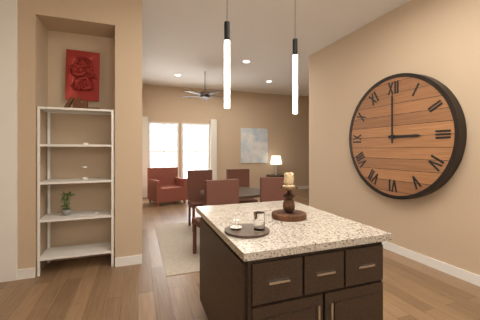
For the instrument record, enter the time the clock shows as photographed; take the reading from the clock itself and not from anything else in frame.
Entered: 3:00
